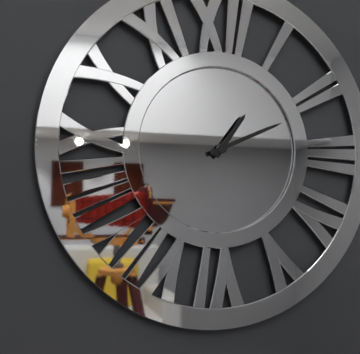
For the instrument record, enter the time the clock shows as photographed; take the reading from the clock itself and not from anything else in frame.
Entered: 1:11
